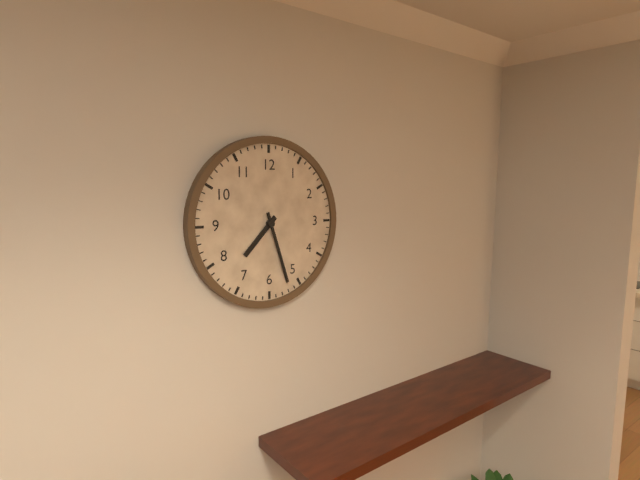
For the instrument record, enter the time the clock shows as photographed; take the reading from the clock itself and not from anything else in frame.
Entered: 7:27
